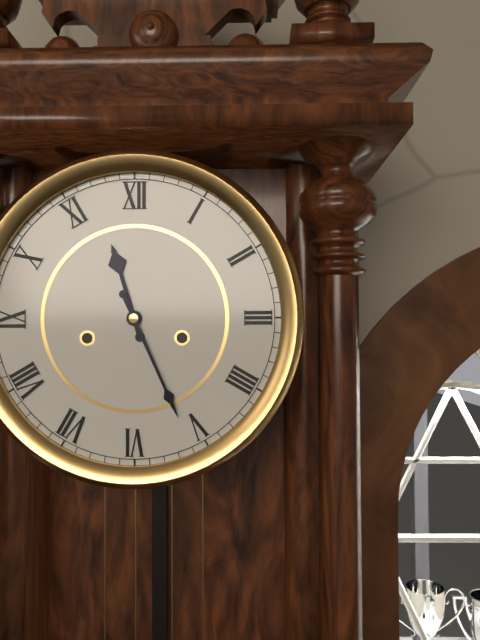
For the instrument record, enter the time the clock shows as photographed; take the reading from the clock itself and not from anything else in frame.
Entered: 11:26
